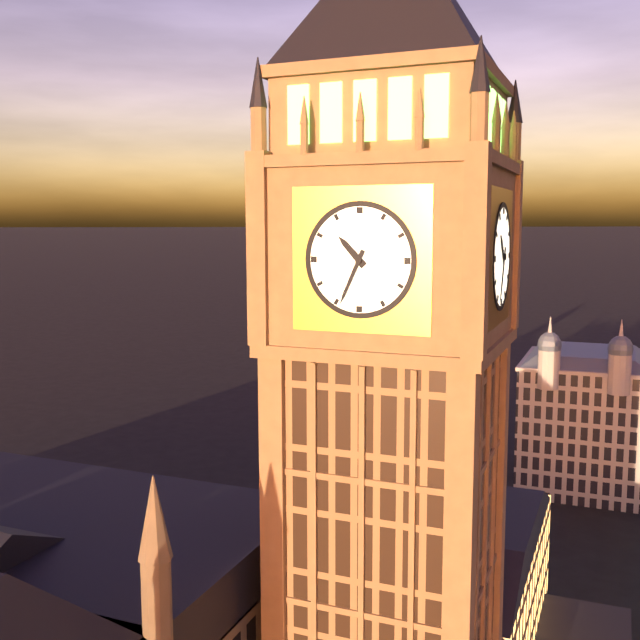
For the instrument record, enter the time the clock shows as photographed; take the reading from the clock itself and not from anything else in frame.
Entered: 10:34
